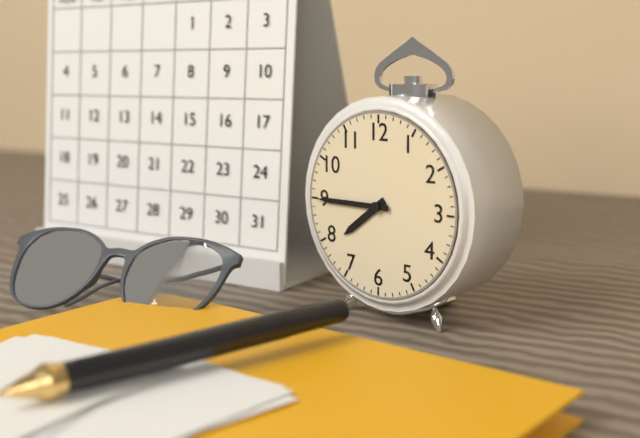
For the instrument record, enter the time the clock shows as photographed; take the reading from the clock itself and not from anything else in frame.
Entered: 7:45
